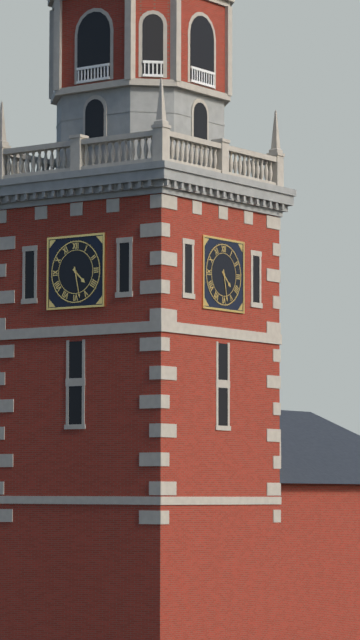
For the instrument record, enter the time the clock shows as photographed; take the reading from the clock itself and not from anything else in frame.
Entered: 4:28
